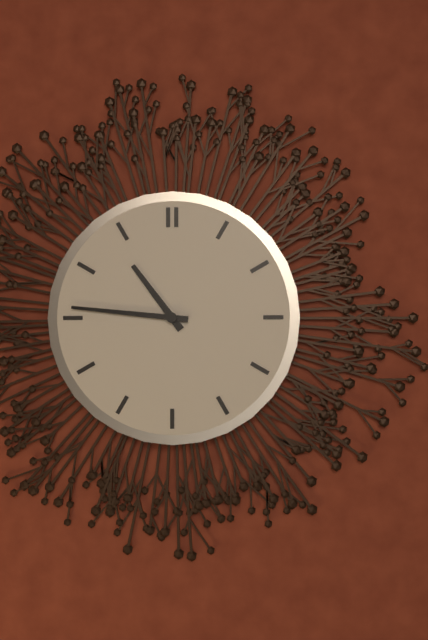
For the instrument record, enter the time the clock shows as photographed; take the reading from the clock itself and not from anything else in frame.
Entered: 10:46
